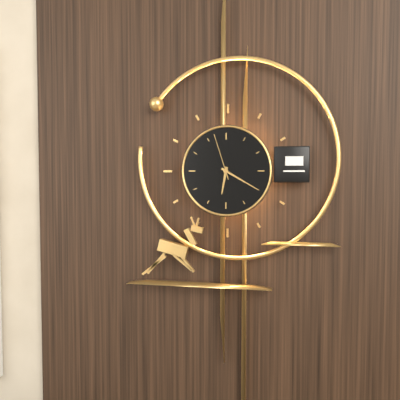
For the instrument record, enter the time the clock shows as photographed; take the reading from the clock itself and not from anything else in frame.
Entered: 6:20
